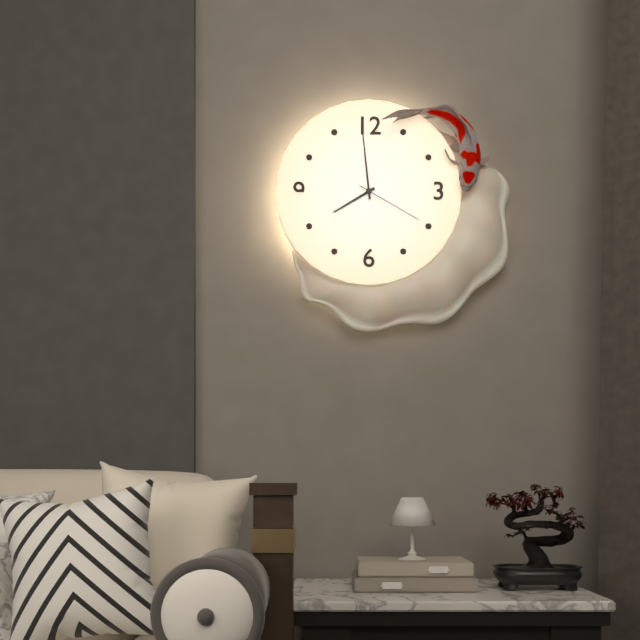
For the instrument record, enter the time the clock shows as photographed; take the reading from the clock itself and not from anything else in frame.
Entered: 7:59:20
